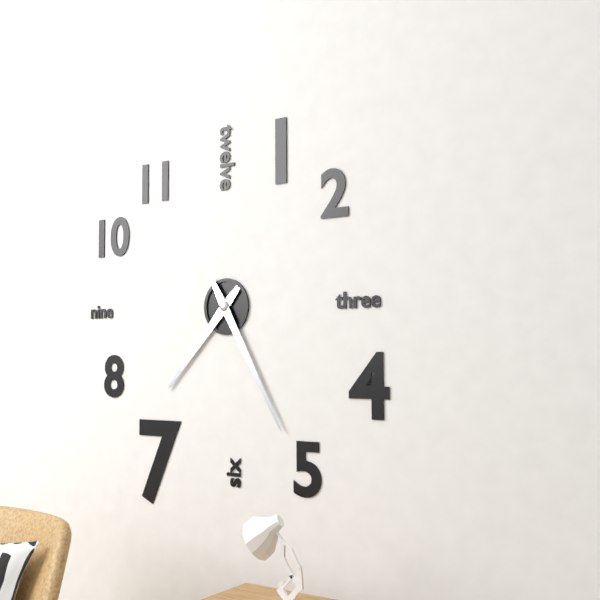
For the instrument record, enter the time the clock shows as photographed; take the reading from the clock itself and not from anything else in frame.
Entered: 7:25
